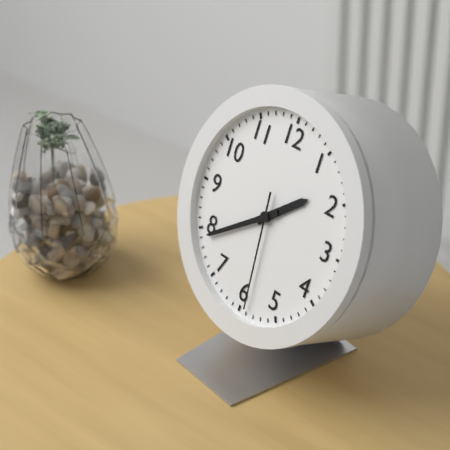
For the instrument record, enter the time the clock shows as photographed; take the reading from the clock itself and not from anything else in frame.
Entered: 1:39:29
